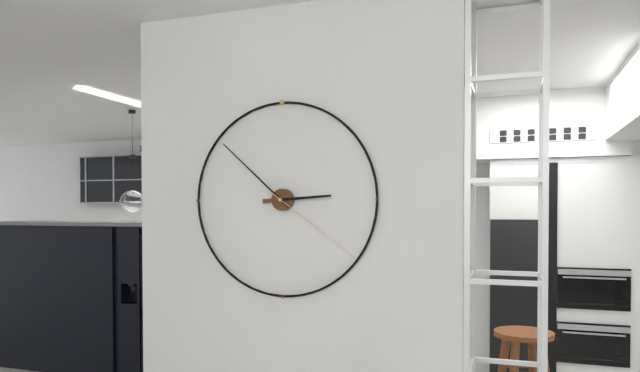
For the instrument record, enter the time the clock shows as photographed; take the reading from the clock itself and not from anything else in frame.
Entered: 2:52:21
